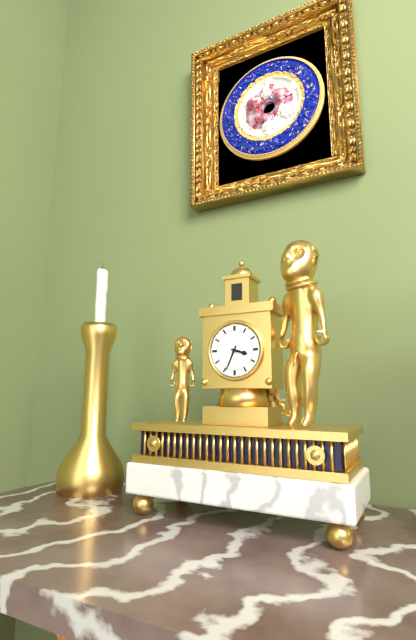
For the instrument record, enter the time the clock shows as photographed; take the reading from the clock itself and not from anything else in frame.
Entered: 3:34
